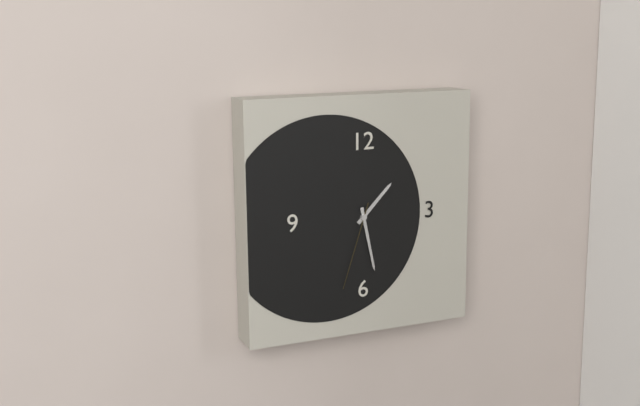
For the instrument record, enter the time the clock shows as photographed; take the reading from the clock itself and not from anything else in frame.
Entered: 1:28:33
